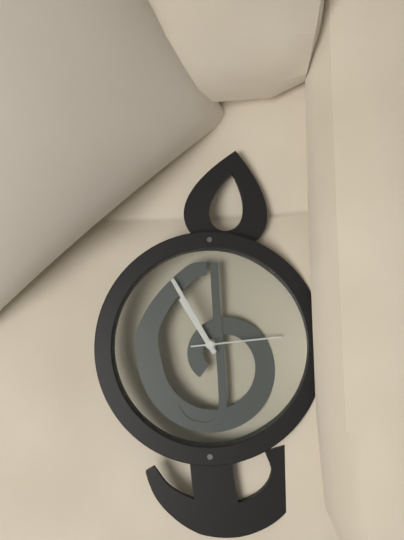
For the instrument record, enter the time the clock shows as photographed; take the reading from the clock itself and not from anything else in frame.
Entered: 10:55:14
